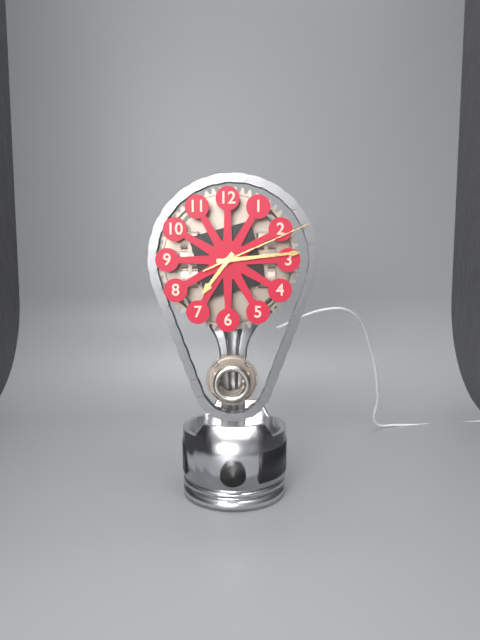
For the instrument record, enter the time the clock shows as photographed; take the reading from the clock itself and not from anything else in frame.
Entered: 7:14:11
